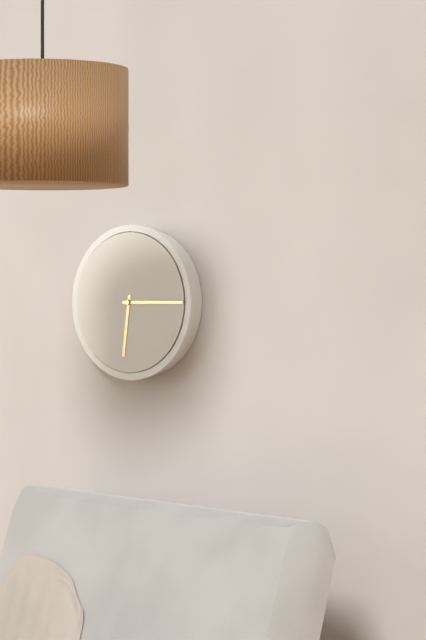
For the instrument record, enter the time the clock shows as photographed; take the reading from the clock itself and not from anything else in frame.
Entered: 6:15
